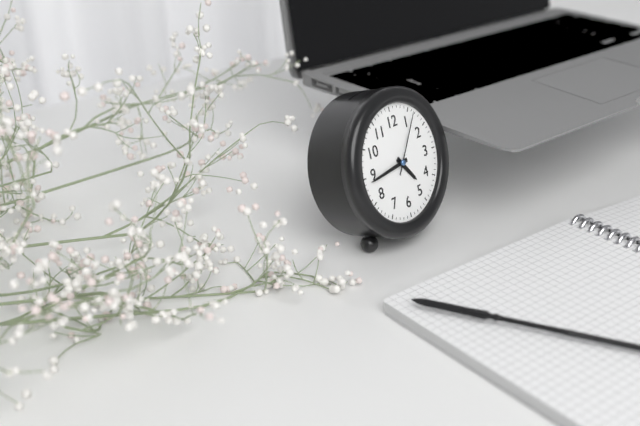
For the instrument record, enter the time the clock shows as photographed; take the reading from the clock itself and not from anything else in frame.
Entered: 4:44:06
